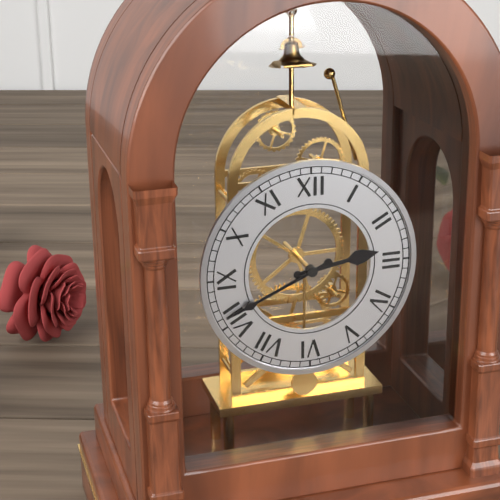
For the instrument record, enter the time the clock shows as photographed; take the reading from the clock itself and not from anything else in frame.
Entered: 2:41
